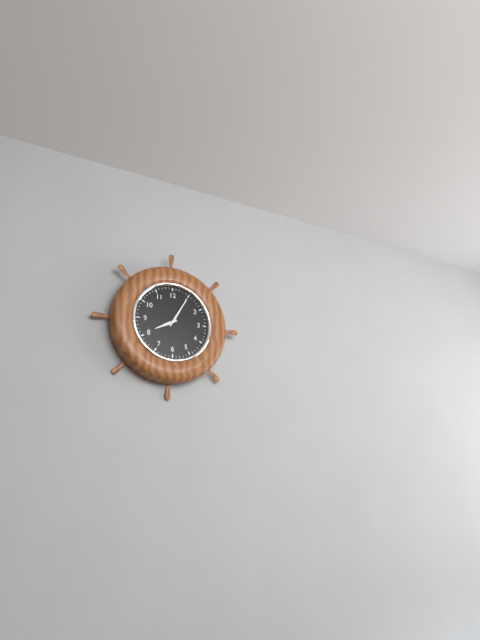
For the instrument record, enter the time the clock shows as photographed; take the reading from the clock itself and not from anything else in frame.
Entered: 8:05
